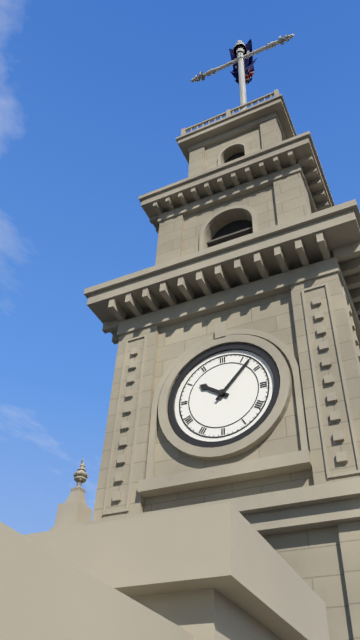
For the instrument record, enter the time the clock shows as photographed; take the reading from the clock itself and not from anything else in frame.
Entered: 10:07
